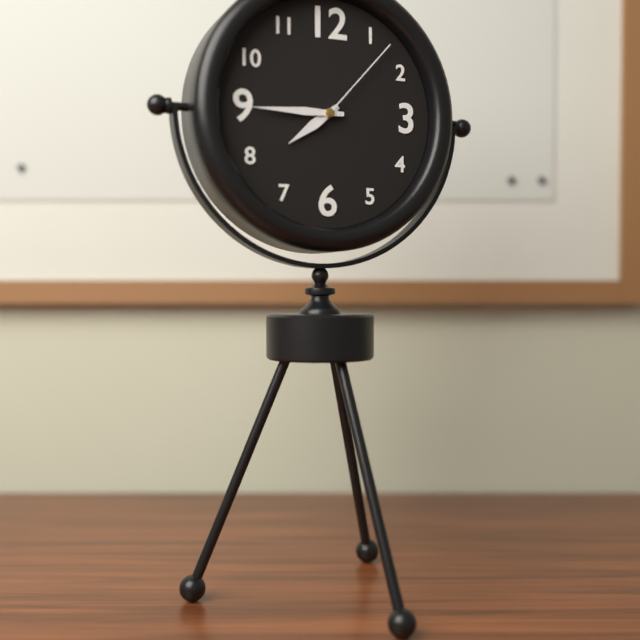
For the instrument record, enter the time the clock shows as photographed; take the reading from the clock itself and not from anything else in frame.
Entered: 7:45:07
